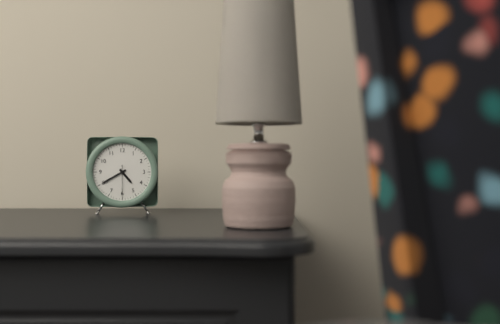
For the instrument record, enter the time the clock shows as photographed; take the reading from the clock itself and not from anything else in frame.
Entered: 4:40
